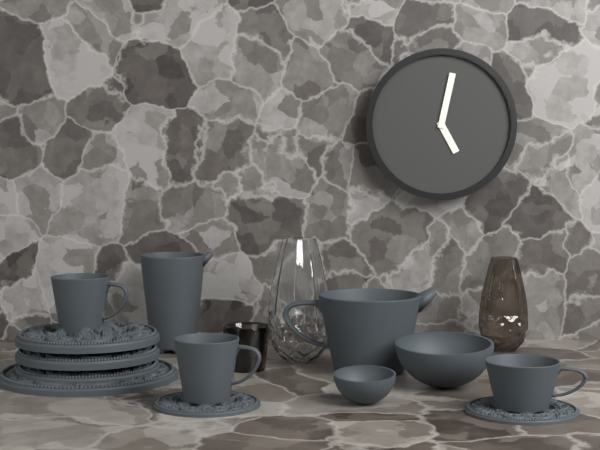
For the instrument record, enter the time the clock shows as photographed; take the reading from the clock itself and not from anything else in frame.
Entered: 5:02
